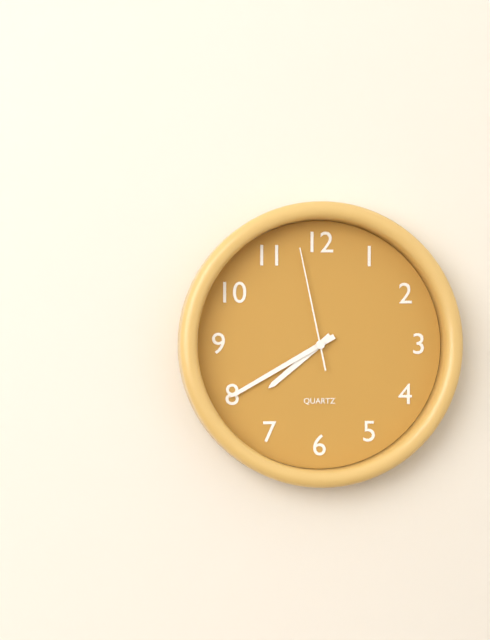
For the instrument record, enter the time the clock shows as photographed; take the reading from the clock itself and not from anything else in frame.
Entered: 7:40:58
